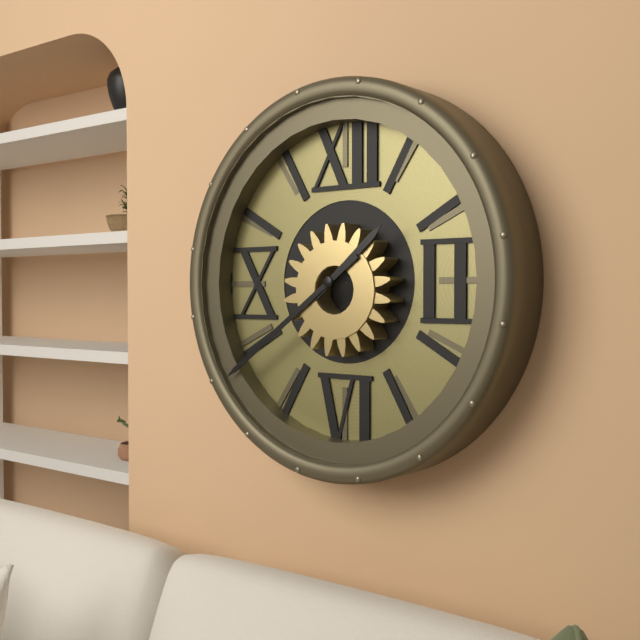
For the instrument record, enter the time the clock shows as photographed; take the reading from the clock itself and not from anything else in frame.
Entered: 1:39
